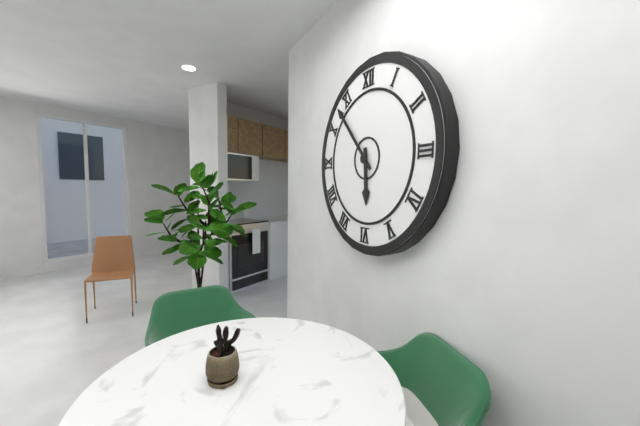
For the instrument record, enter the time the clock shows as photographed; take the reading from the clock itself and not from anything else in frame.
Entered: 5:53
